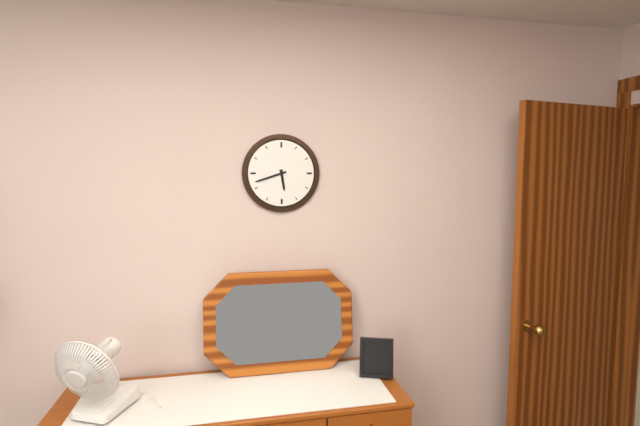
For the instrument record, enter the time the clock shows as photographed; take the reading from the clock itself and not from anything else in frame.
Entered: 5:42
